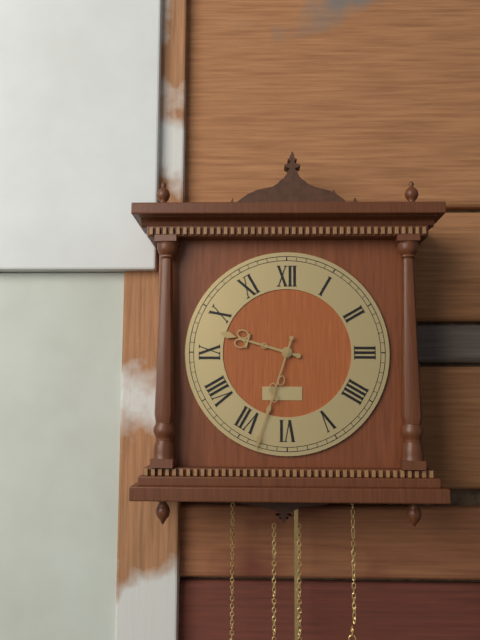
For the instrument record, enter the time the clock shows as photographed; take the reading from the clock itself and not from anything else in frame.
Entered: 9:33
